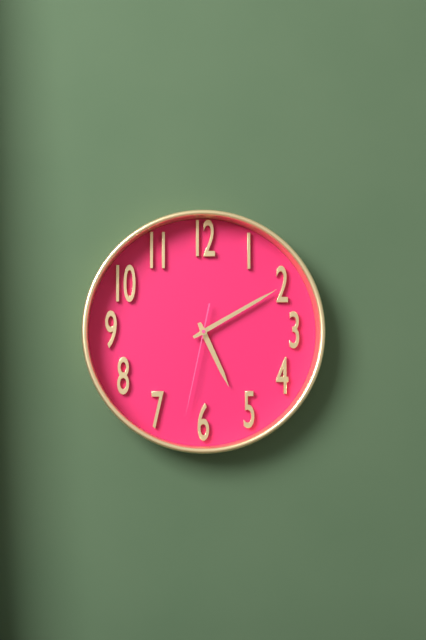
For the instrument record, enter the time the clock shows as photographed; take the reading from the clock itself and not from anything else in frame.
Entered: 5:10:32
